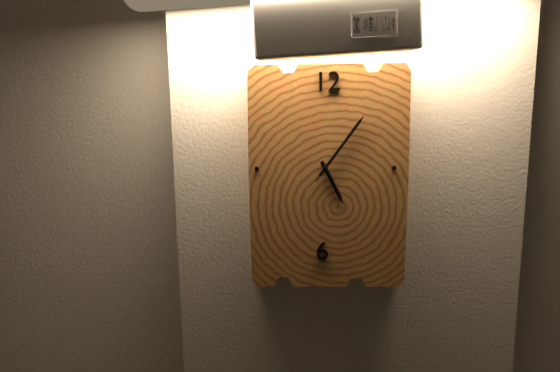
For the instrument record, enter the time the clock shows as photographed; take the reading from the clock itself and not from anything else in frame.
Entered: 5:06:06
